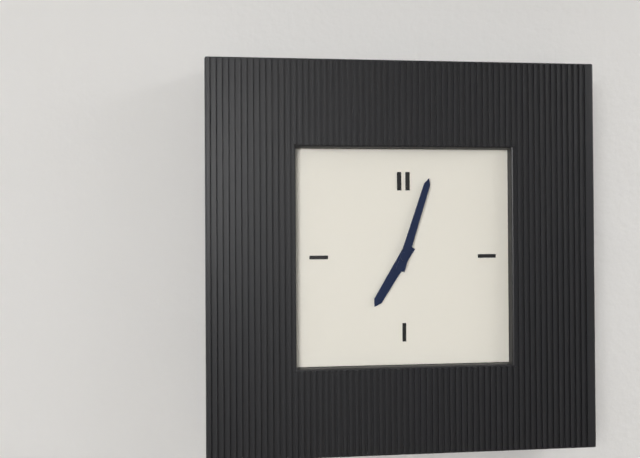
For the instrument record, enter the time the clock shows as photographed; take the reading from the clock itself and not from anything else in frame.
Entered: 7:03
